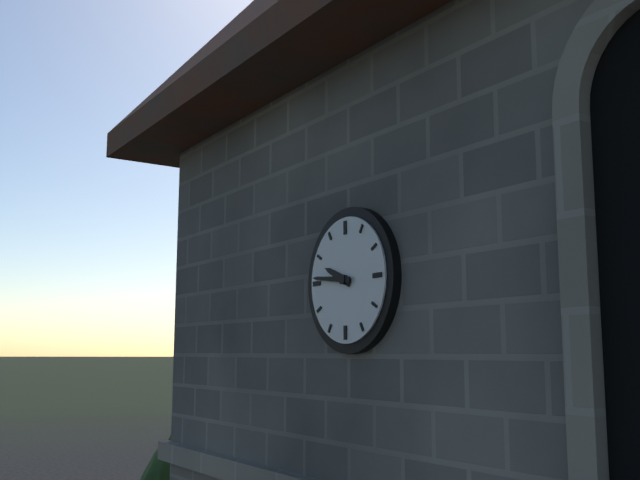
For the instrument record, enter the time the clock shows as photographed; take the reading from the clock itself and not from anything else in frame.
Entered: 9:46
